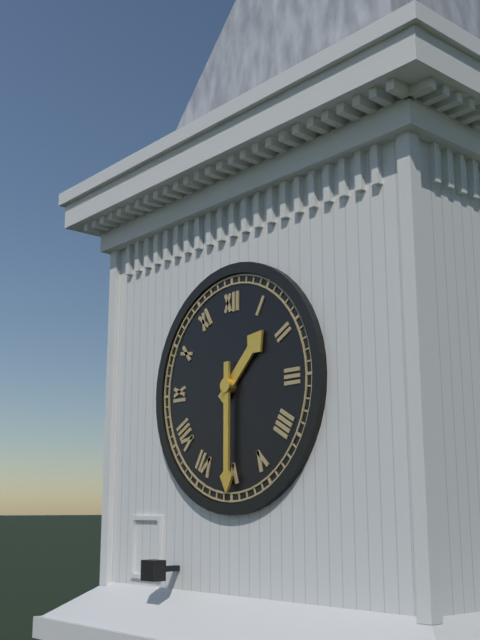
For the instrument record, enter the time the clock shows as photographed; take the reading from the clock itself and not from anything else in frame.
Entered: 1:30
